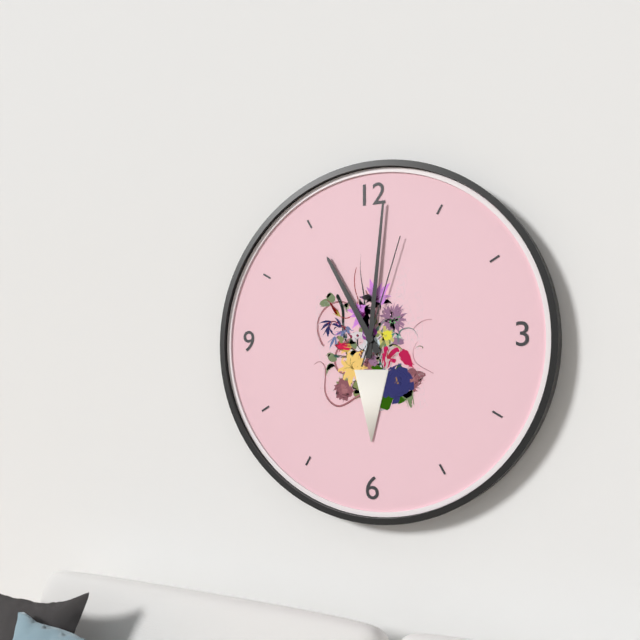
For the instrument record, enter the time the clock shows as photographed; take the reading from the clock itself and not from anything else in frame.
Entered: 11:01:03
